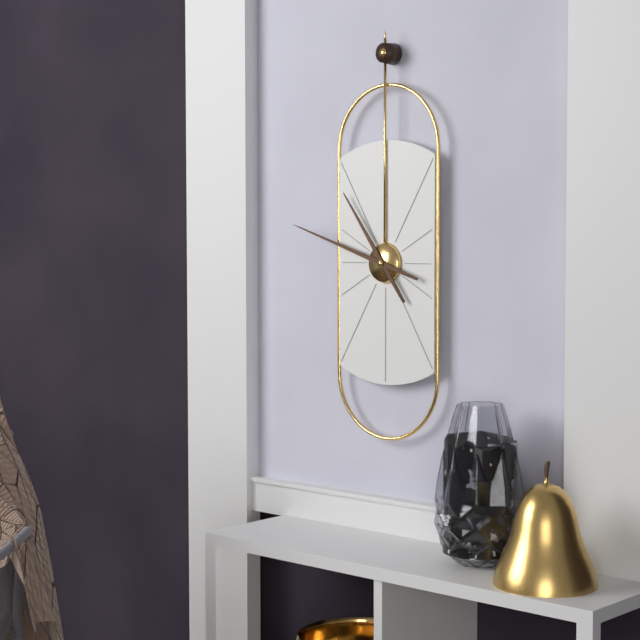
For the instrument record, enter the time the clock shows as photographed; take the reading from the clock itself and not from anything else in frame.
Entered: 10:48
